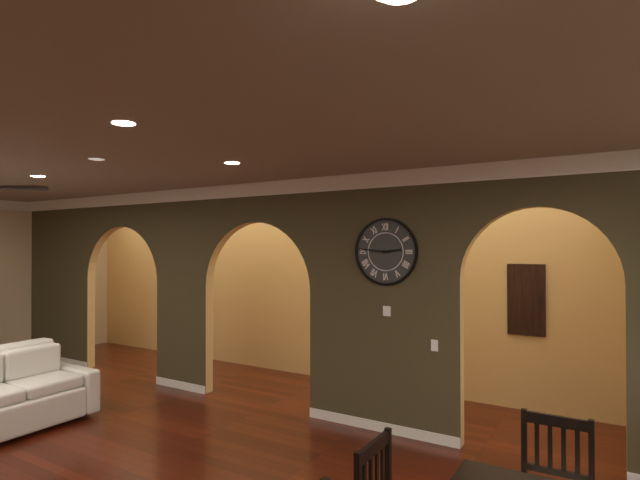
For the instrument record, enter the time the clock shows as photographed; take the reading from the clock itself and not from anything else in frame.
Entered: 2:46
